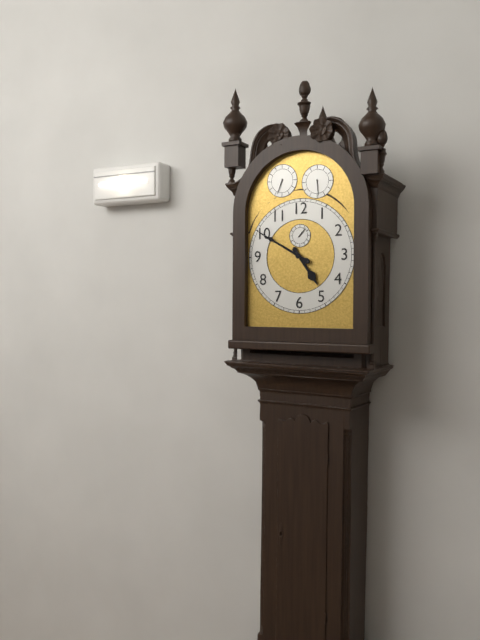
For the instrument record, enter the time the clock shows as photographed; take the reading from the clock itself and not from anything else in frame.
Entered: 4:50
